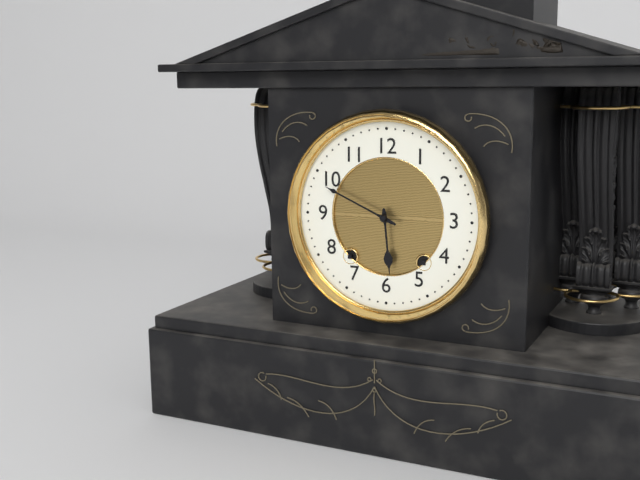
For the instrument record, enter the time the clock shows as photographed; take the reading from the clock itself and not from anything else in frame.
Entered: 5:49
